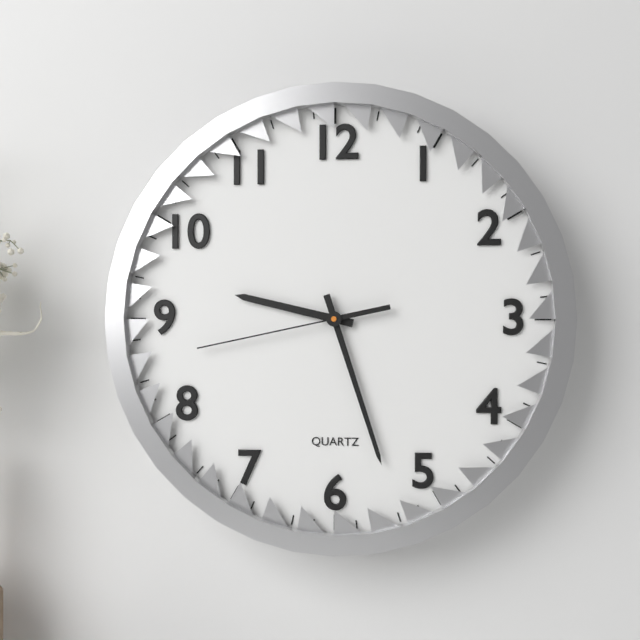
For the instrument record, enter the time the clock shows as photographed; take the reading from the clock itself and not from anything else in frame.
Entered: 9:27:43
